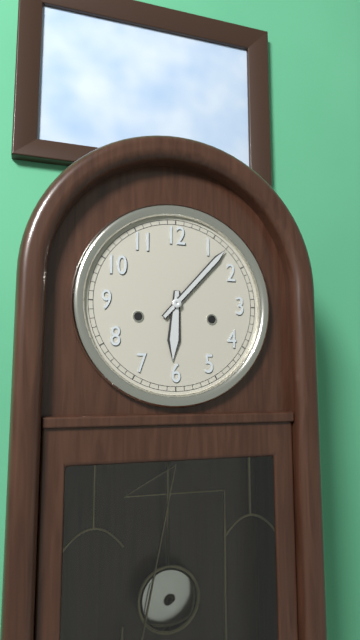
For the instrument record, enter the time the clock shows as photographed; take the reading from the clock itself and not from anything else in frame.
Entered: 6:07
